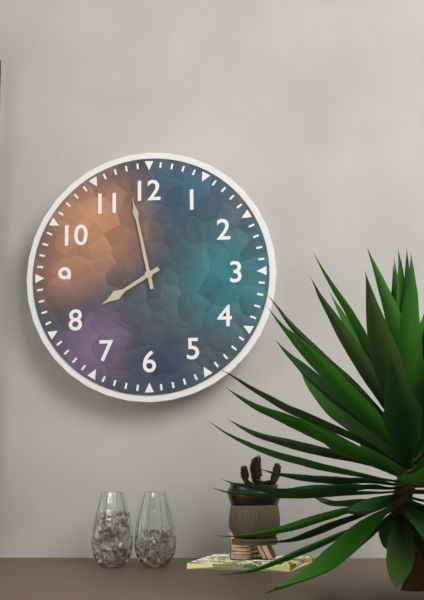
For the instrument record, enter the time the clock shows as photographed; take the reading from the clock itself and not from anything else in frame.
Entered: 7:58
